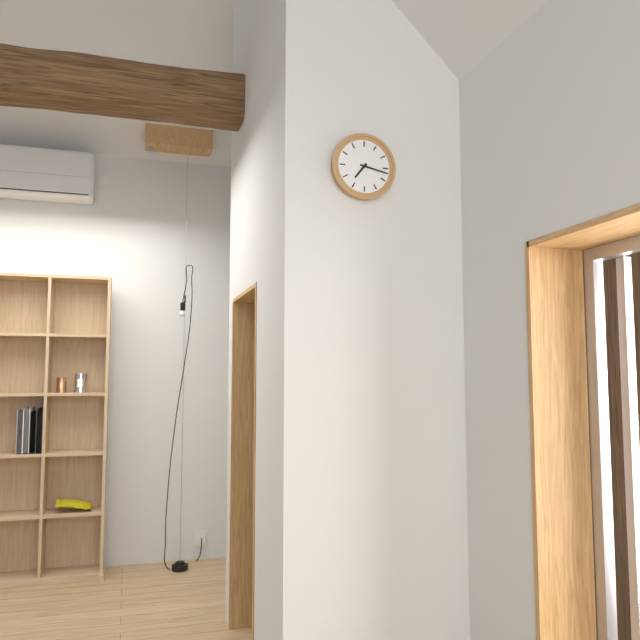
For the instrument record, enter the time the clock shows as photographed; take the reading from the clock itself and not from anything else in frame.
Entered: 7:17
